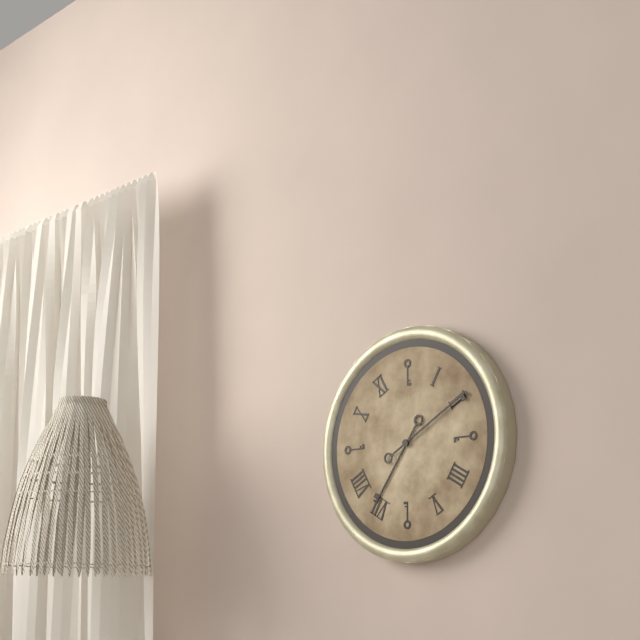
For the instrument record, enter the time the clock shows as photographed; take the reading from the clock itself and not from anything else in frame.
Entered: 7:10
